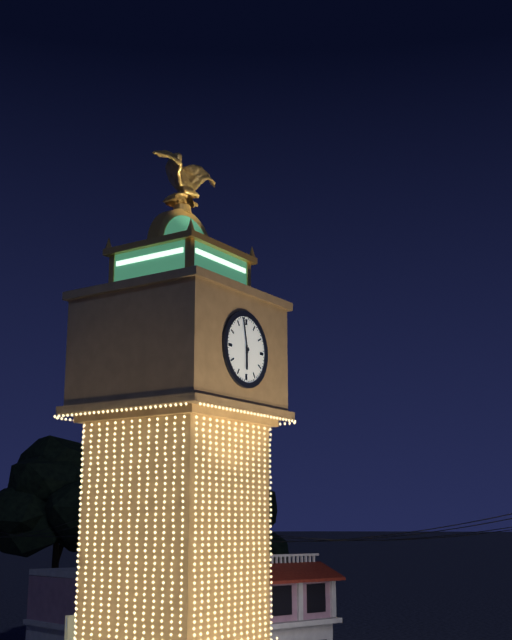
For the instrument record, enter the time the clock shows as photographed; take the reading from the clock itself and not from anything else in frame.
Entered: 5:58
